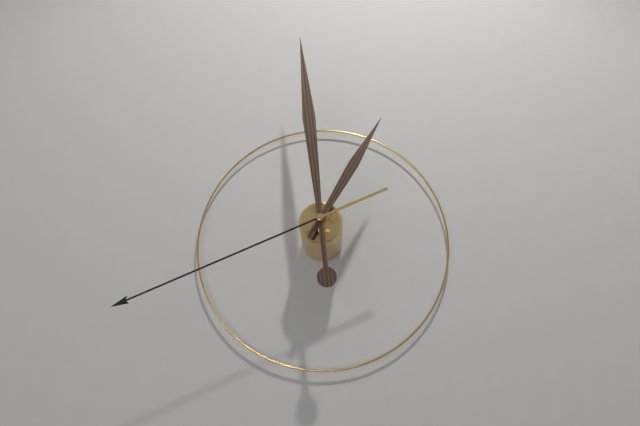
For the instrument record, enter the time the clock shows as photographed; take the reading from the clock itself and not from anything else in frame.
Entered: 12:59:41
